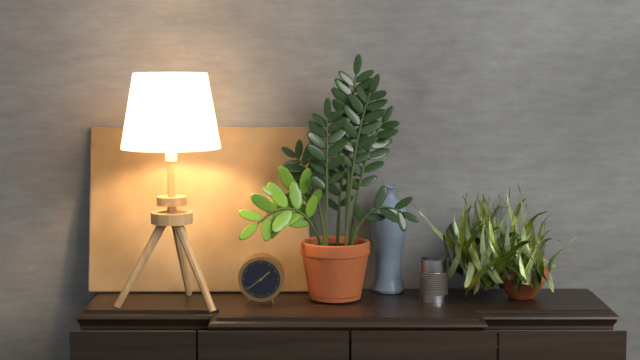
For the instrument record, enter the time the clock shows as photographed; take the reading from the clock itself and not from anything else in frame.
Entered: 1:39
